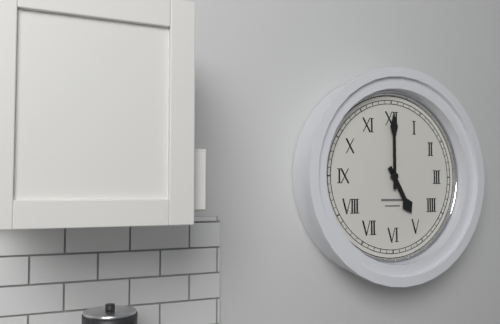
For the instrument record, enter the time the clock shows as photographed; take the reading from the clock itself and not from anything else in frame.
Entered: 5:00
